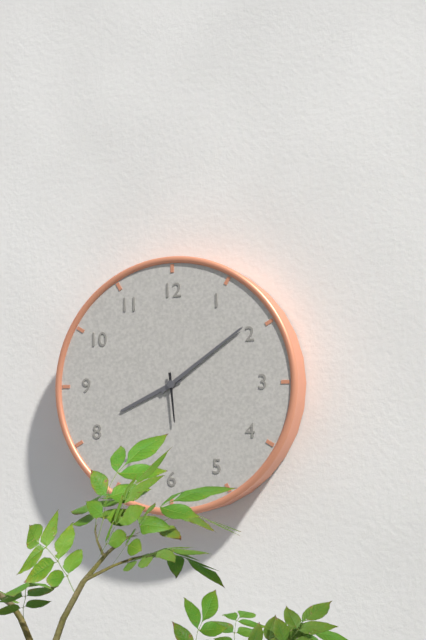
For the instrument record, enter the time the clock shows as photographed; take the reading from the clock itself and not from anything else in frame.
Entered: 8:09
